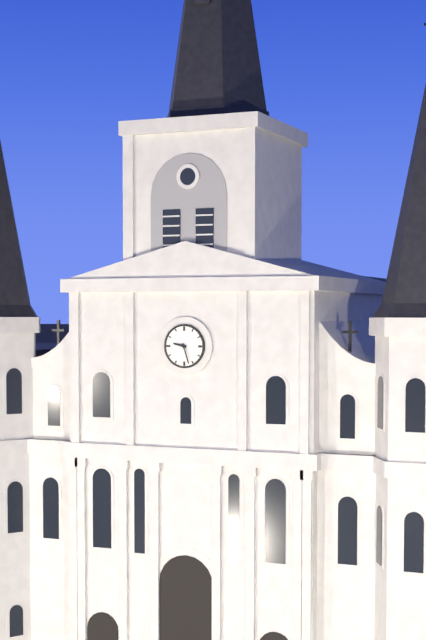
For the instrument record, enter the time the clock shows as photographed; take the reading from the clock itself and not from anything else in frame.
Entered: 9:27
